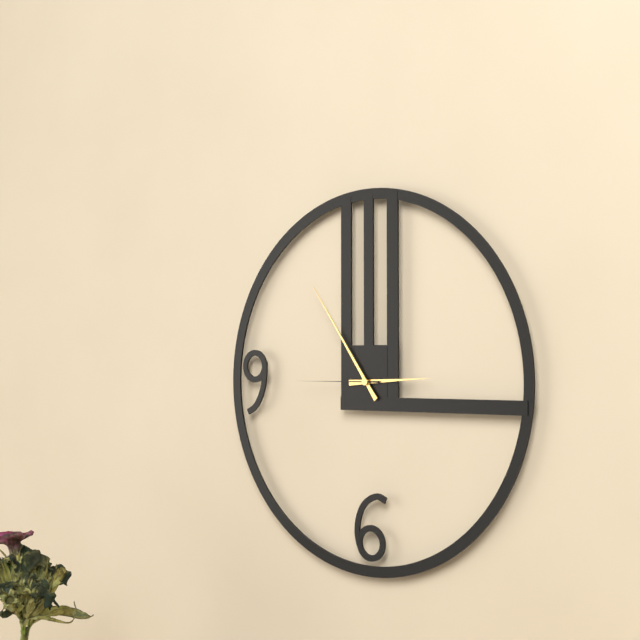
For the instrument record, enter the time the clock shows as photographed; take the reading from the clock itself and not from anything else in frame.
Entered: 2:54:45
